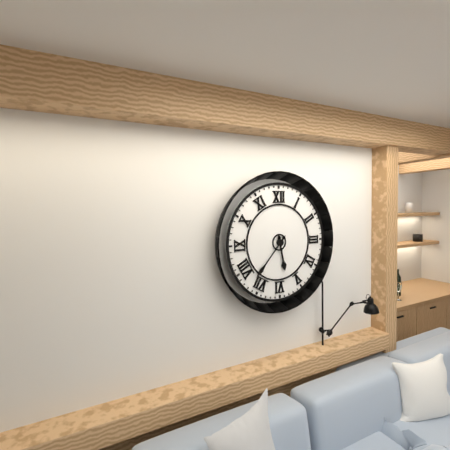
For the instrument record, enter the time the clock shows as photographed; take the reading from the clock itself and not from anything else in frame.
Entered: 5:37
